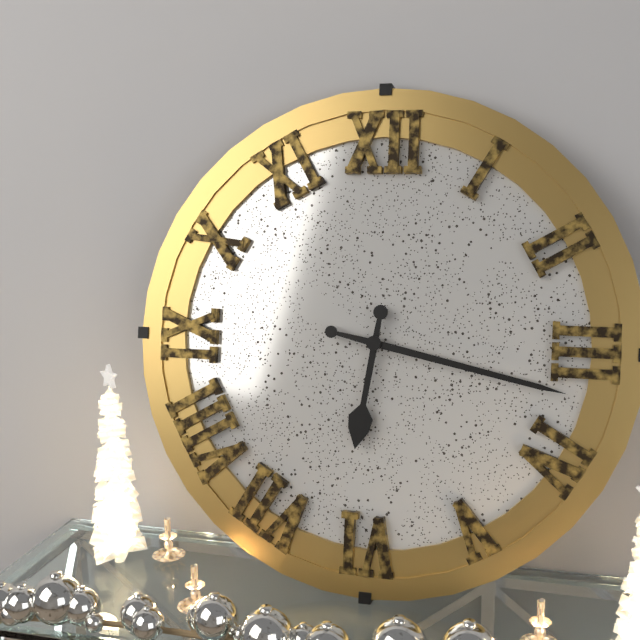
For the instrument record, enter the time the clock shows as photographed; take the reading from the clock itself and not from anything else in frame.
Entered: 6:17
